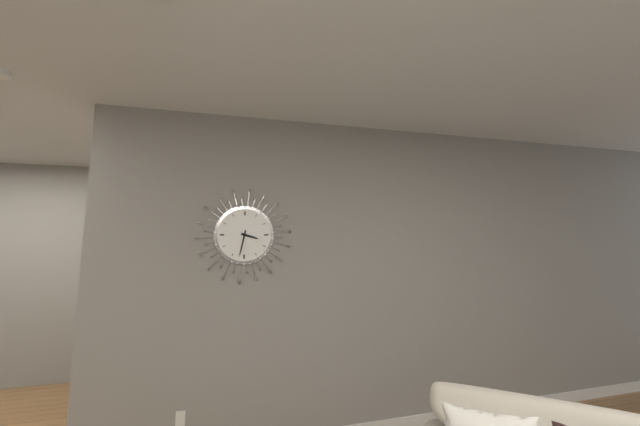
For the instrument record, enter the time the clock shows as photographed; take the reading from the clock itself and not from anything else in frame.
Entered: 3:32
